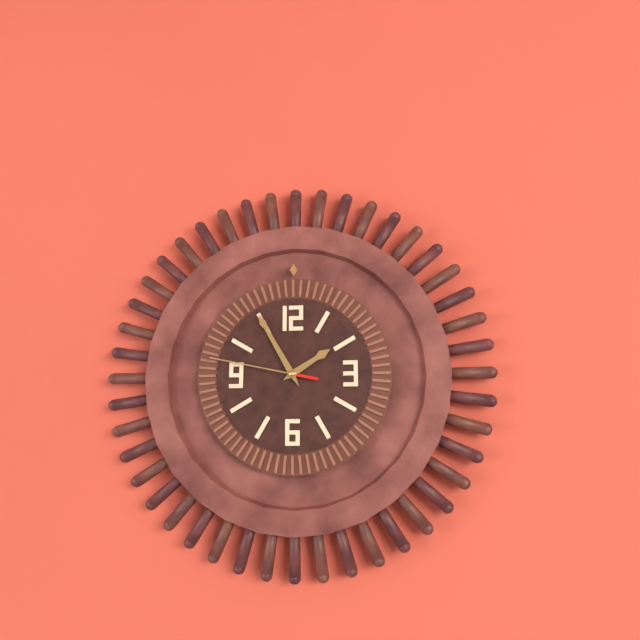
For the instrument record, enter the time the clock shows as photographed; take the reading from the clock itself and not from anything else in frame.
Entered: 1:55:47
